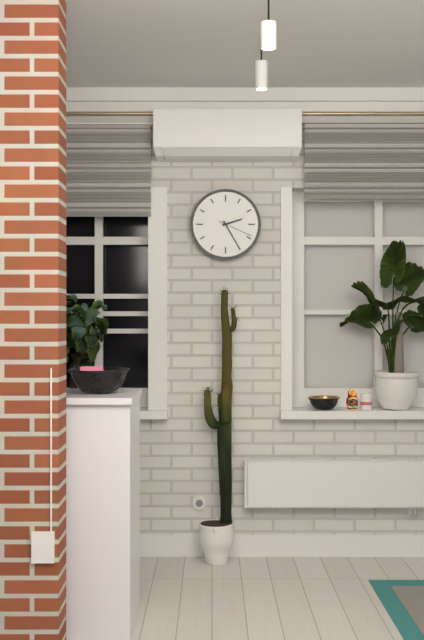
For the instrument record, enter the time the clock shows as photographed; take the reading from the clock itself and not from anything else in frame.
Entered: 2:25
